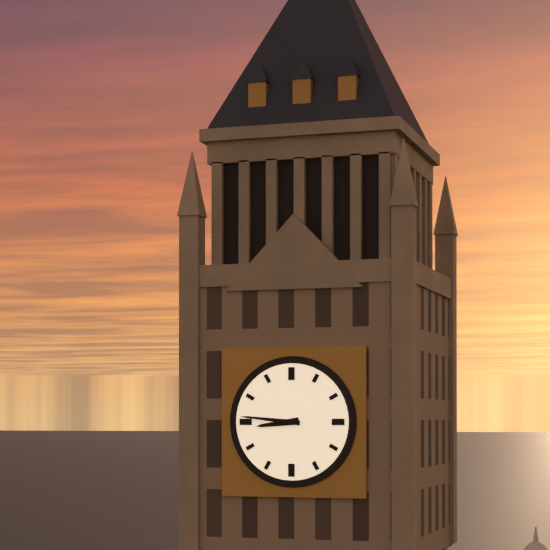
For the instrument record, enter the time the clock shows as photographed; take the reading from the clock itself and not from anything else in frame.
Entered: 8:46
